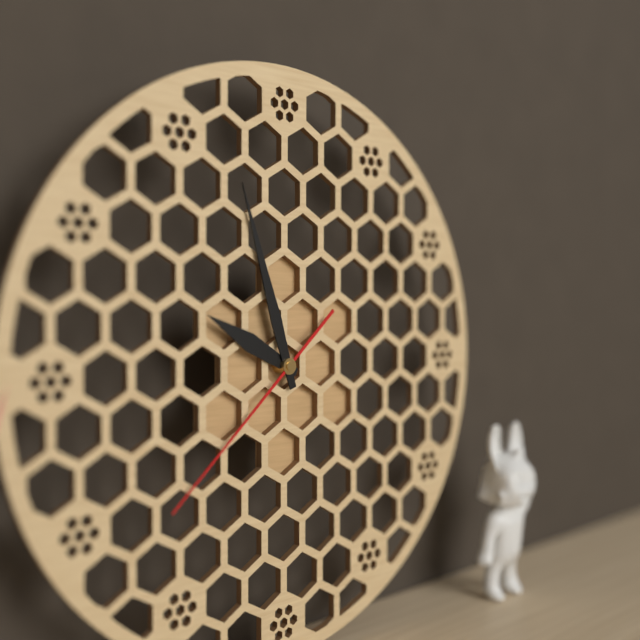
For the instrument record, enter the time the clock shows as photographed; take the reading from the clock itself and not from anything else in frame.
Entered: 9:57:38
